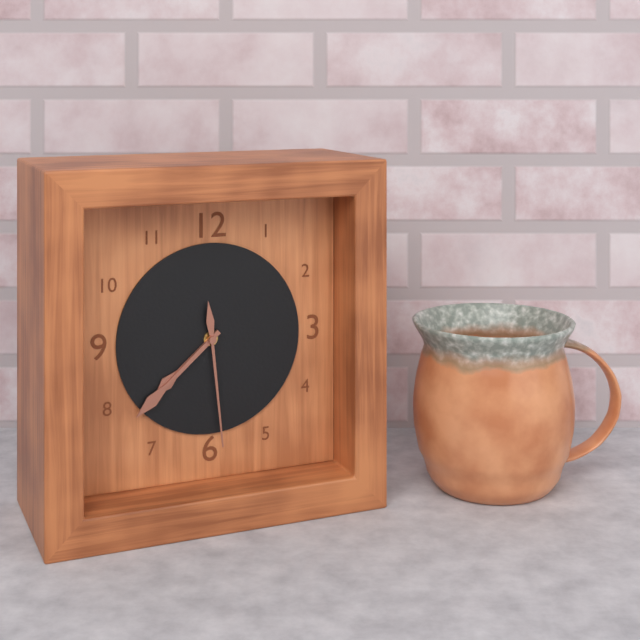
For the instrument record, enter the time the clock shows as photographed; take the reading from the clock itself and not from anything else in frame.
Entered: 7:38:29
